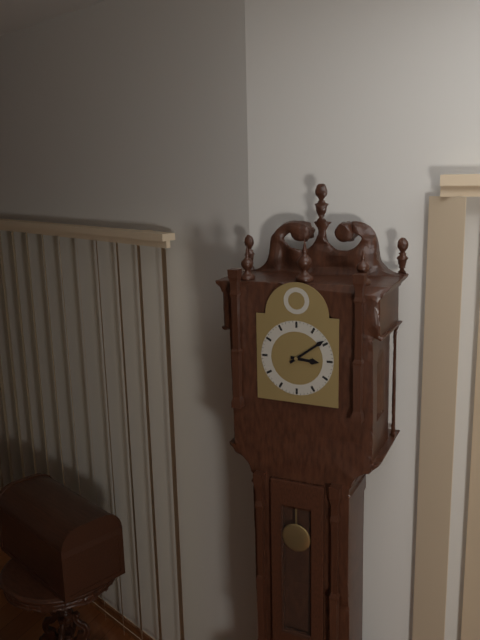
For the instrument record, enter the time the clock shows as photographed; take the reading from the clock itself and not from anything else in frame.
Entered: 3:09
